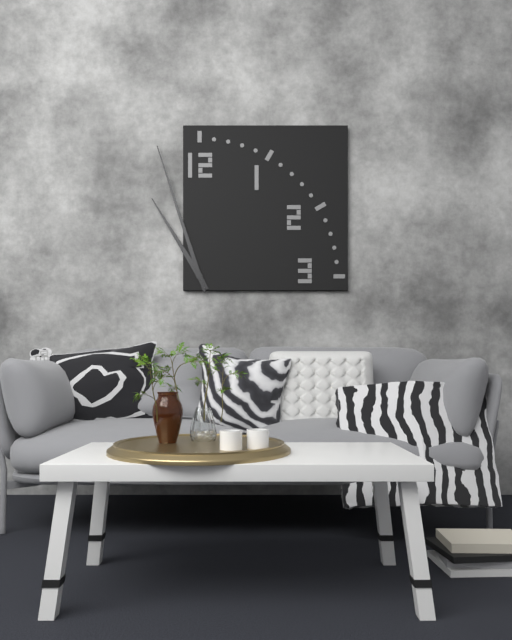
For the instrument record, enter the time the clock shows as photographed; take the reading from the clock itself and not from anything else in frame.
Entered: 10:57
